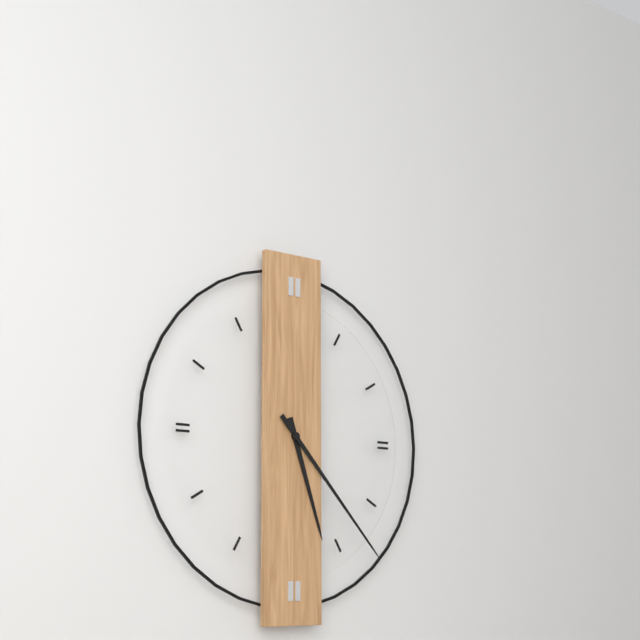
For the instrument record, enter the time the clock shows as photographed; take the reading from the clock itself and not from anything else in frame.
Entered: 5:23
